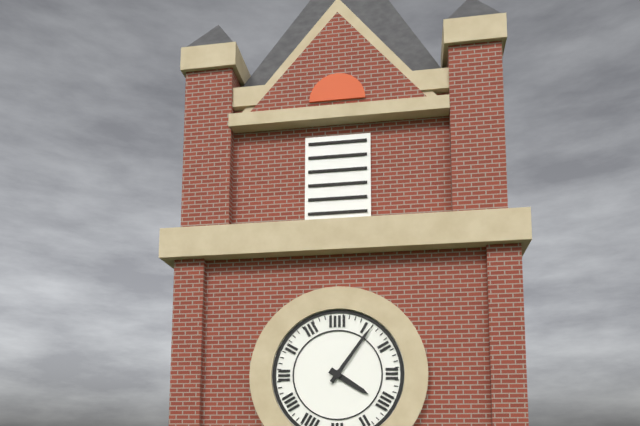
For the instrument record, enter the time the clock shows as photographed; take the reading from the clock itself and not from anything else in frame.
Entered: 4:06
